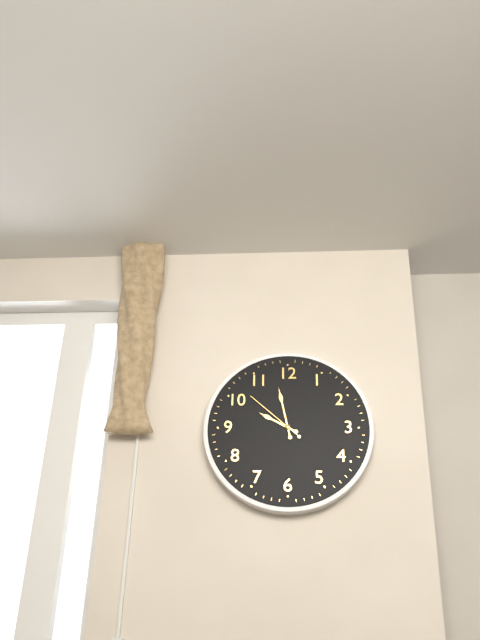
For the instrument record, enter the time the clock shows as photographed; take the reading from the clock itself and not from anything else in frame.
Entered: 9:58:52
